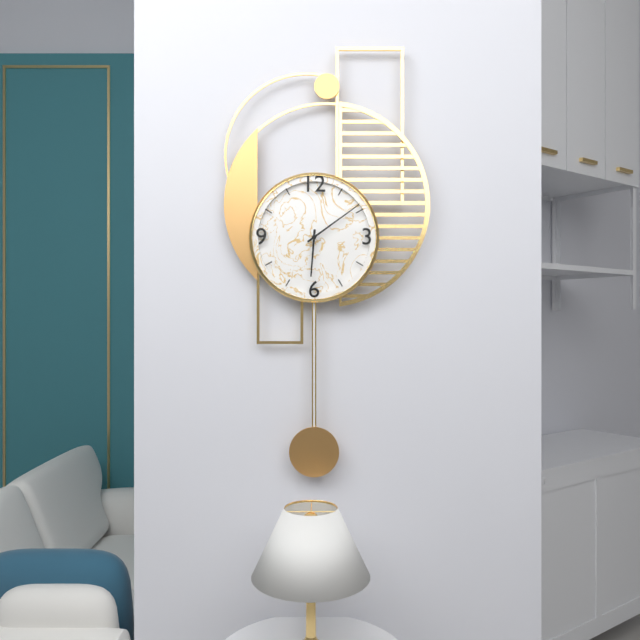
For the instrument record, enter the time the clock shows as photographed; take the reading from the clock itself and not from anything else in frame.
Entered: 6:09
